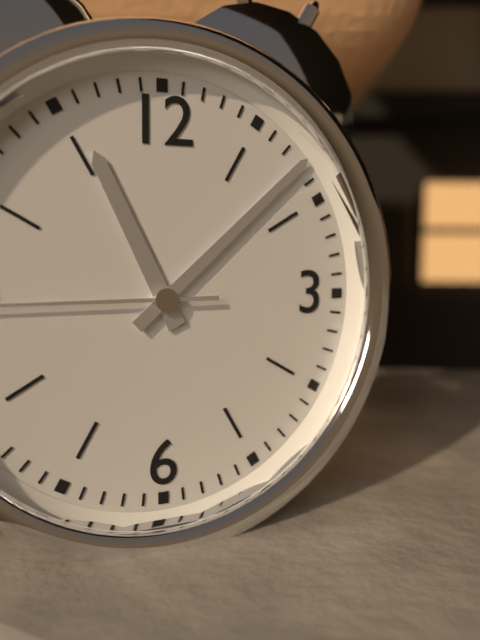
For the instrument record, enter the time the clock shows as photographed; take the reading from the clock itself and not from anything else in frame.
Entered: 11:08
